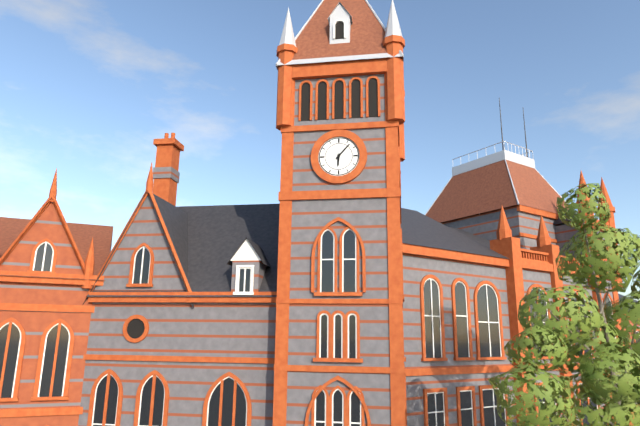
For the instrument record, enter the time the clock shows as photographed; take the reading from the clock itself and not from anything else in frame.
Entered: 6:07
